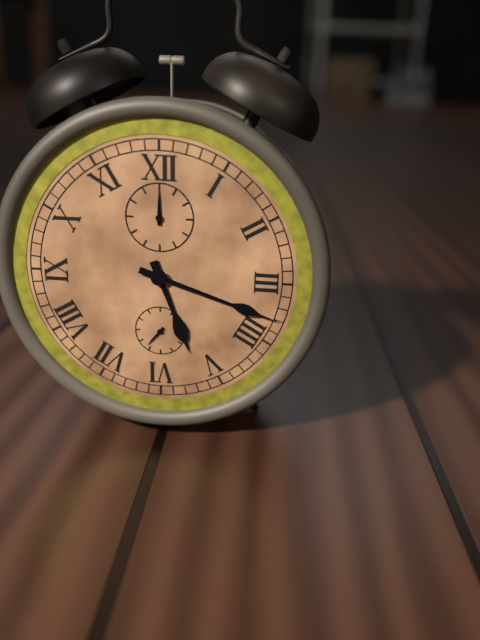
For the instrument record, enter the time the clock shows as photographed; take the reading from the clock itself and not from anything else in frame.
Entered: 5:18
